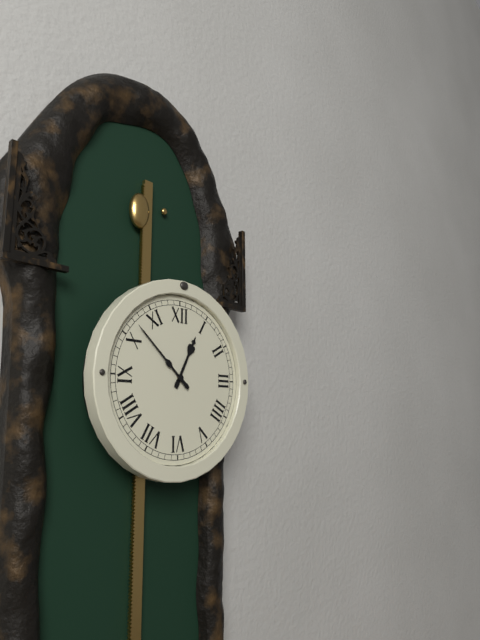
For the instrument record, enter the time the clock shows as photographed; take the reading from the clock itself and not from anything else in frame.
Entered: 12:52
